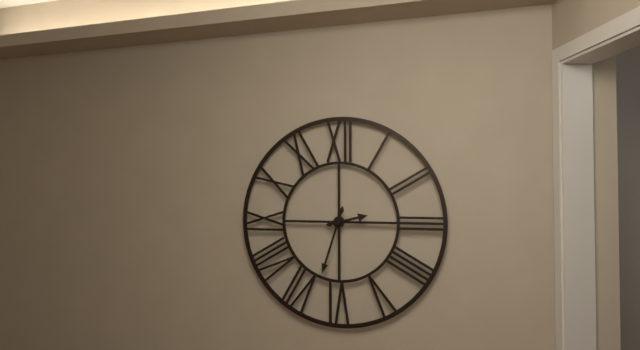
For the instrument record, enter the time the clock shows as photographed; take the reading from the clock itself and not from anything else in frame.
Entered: 2:33
